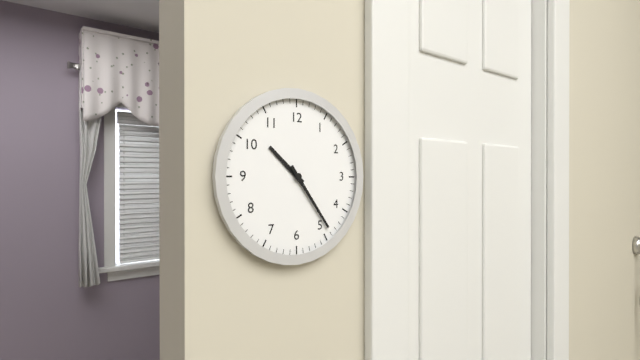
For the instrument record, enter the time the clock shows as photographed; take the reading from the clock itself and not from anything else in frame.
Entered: 10:24
